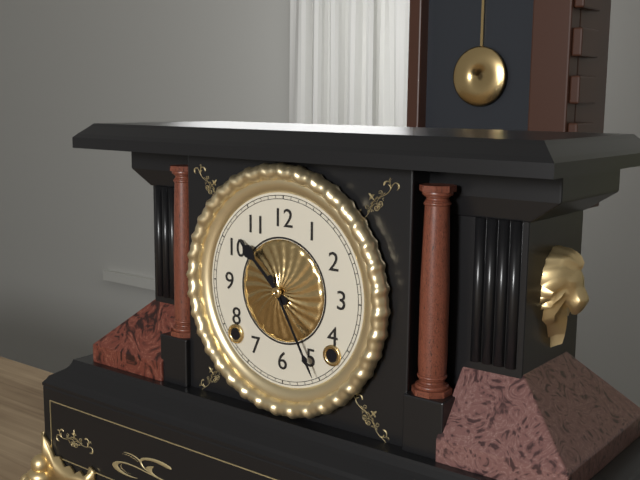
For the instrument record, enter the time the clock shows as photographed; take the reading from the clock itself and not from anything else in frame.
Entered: 10:25
